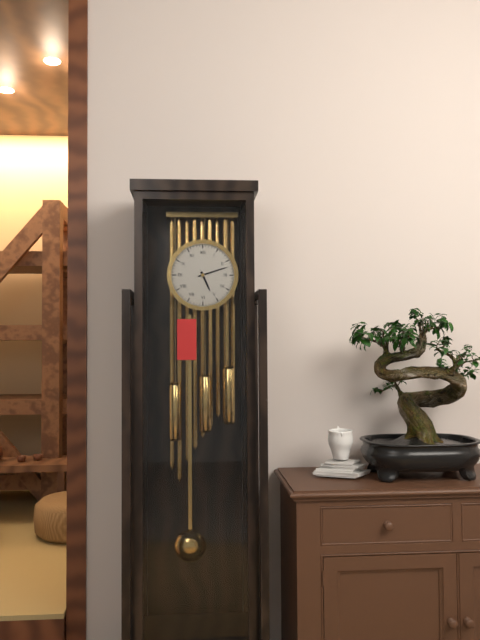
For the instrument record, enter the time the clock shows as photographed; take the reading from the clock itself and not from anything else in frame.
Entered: 5:12
